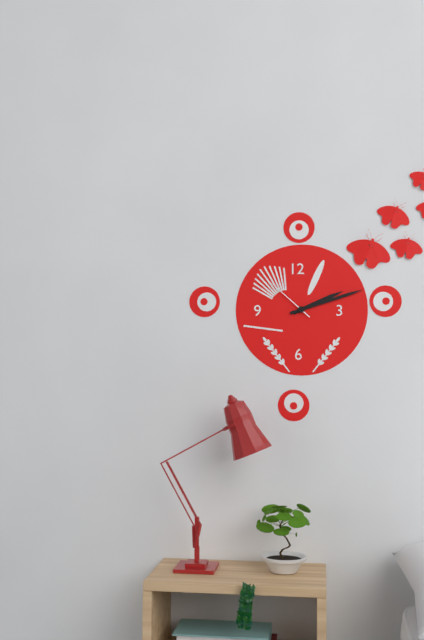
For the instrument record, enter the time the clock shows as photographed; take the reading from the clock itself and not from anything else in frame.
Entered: 2:12
